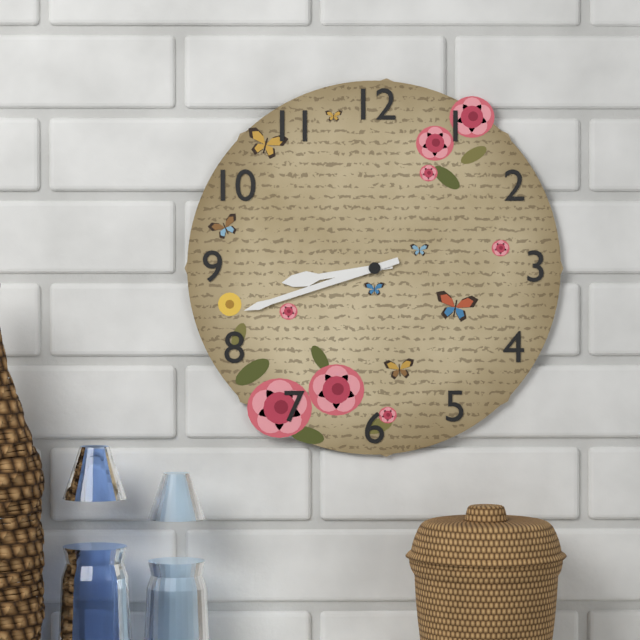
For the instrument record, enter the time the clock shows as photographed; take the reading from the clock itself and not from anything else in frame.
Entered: 8:42
